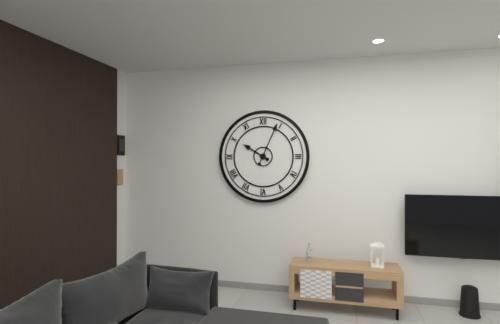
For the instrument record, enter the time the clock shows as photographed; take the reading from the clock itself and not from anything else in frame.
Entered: 10:04
